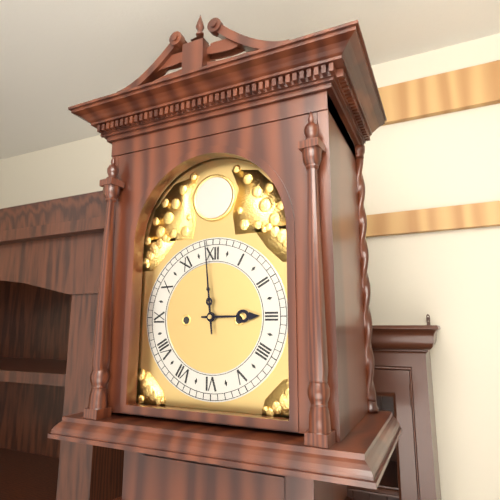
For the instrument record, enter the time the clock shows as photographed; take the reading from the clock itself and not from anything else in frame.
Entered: 2:59
